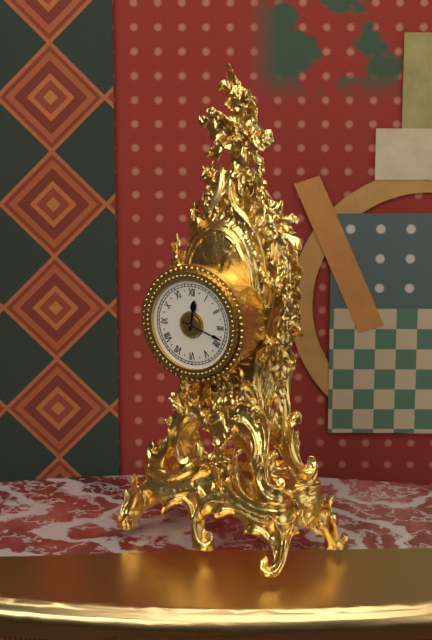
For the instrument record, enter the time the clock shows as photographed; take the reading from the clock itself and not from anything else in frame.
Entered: 12:18
